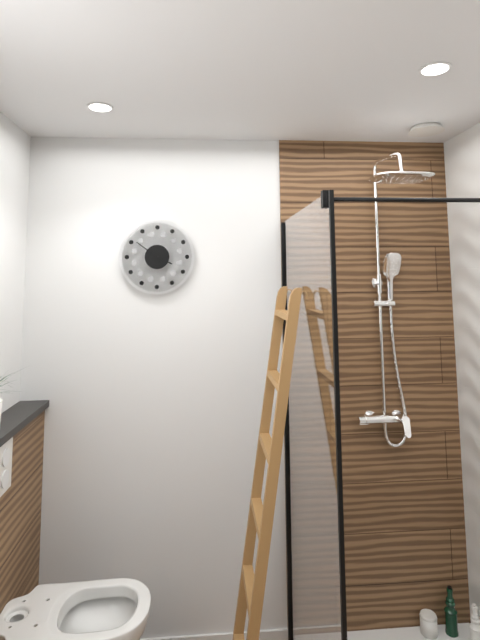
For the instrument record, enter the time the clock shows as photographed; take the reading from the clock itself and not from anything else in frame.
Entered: 3:51
